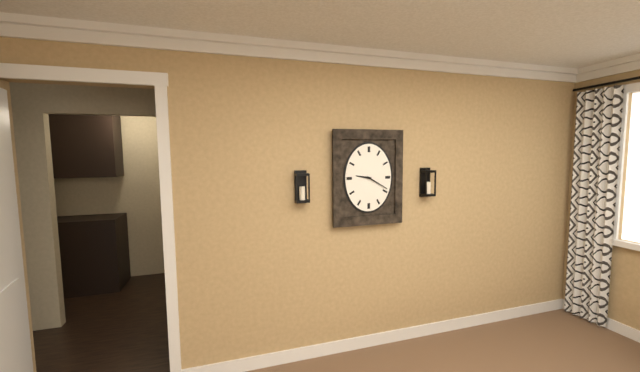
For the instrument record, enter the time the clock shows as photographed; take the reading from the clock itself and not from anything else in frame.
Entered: 9:20
